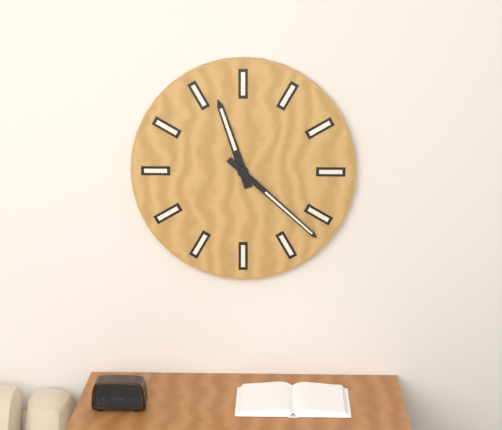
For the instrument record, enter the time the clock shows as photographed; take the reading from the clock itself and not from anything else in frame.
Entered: 11:22
